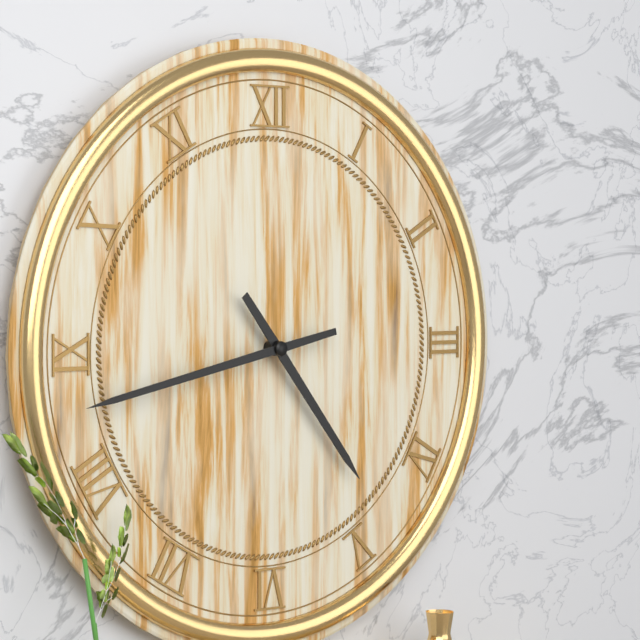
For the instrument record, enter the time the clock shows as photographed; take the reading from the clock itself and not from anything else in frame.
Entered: 4:43
